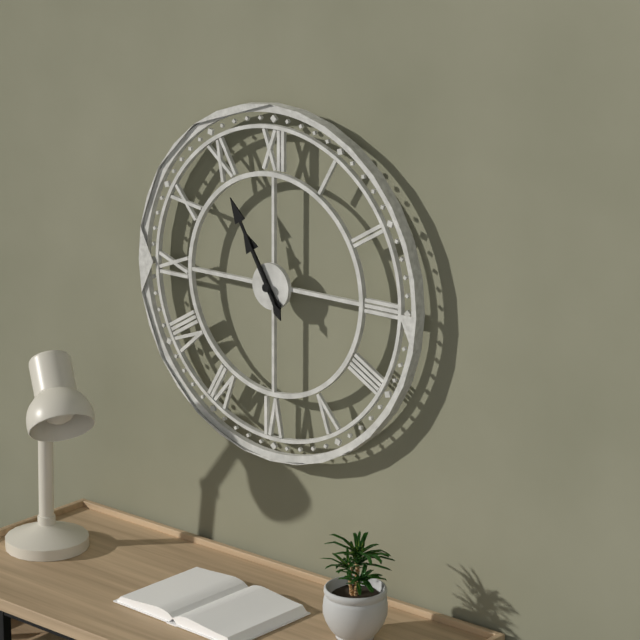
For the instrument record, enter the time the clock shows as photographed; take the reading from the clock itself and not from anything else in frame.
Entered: 10:55
